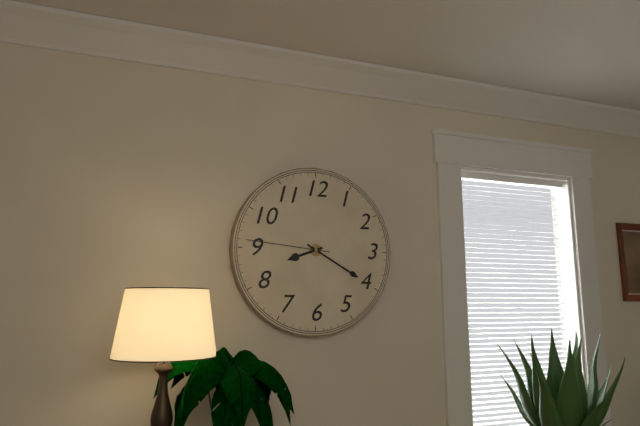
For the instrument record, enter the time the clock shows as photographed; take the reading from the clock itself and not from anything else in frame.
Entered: 8:20:46
